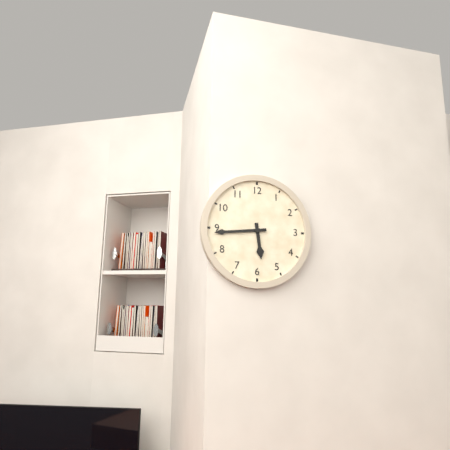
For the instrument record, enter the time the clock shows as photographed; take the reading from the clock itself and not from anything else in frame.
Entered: 5:44
